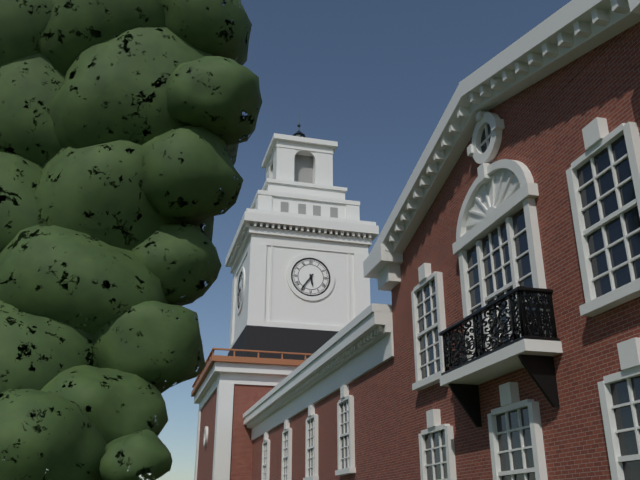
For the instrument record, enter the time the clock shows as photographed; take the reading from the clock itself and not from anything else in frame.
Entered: 5:36
